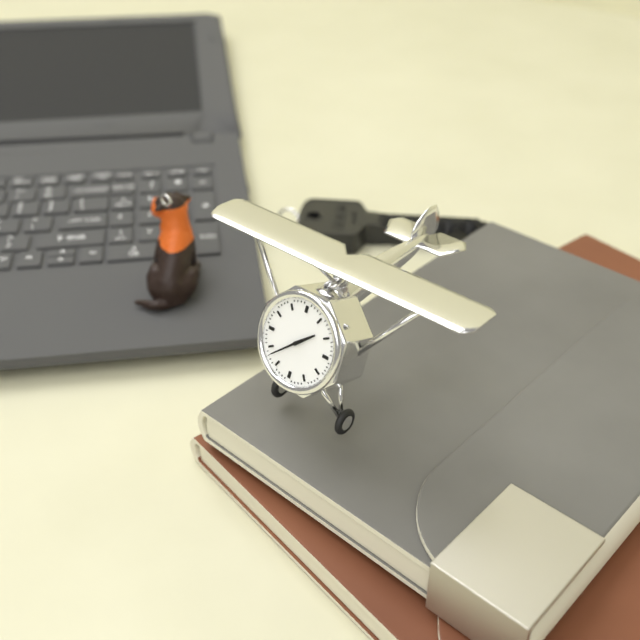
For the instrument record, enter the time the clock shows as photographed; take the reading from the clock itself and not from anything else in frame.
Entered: 1:38
